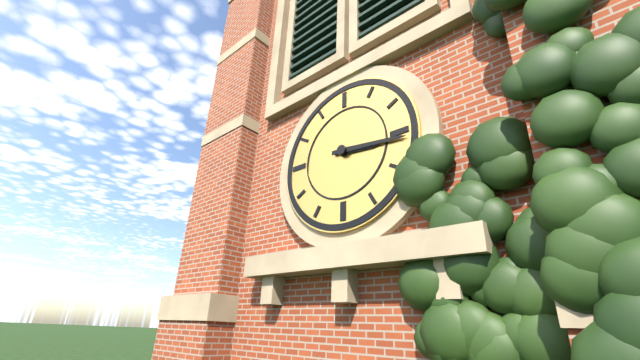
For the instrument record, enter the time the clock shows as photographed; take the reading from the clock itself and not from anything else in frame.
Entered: 3:16
